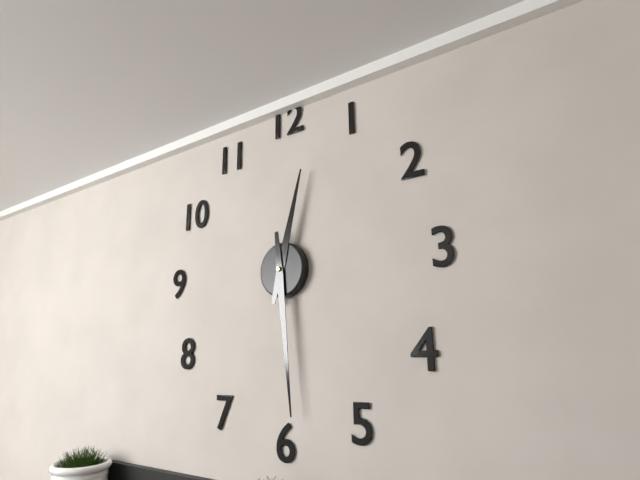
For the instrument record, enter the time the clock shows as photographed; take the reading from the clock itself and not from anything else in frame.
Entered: 12:29
